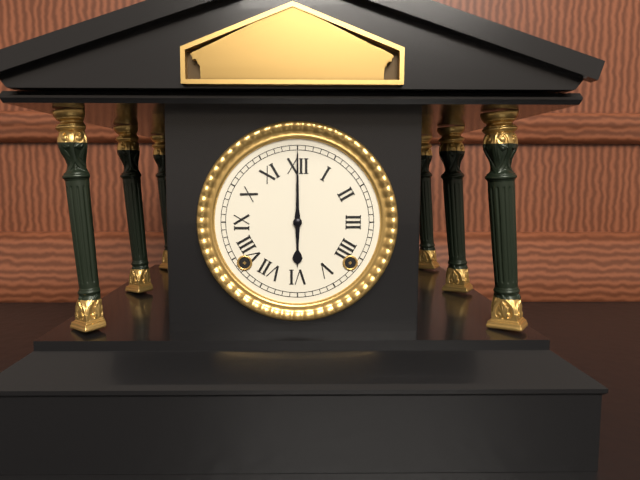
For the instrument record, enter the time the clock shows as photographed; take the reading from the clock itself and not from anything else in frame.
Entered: 6:00
